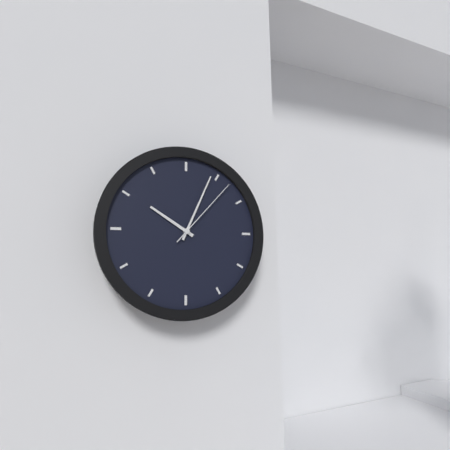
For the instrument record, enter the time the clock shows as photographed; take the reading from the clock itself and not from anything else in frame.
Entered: 10:04:07
